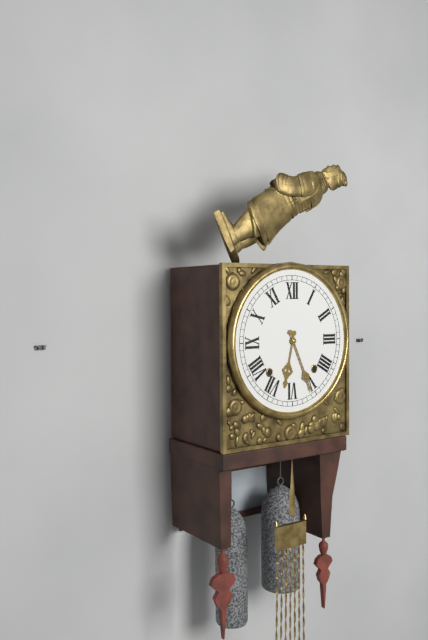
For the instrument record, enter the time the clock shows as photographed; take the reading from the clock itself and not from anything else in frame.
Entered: 6:26
